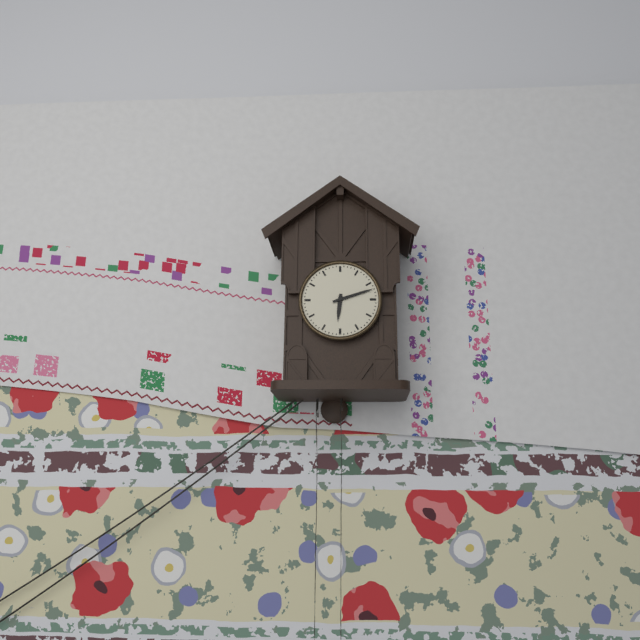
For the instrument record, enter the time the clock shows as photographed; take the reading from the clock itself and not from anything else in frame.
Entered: 6:12
